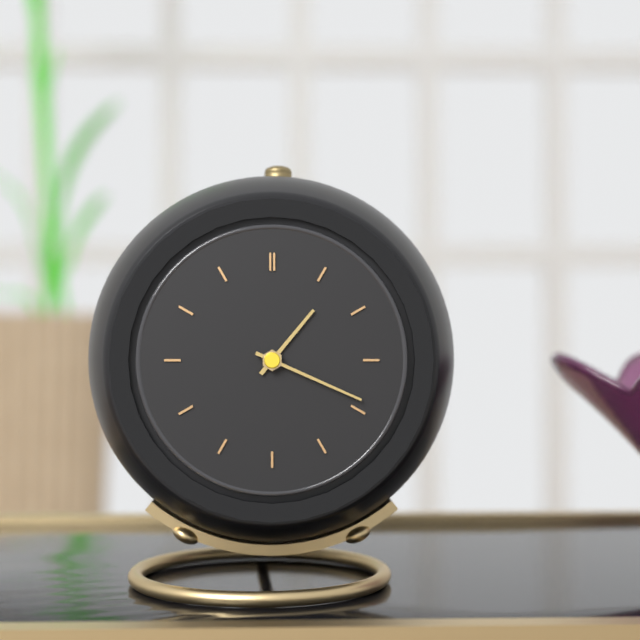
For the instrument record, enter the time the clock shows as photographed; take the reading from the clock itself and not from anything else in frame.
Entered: 1:19
